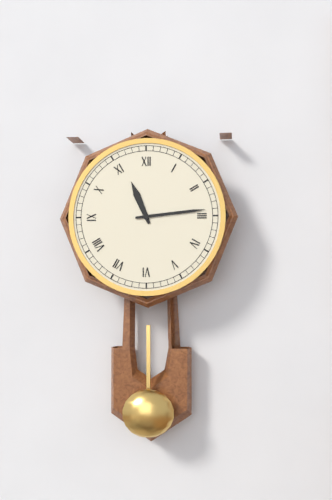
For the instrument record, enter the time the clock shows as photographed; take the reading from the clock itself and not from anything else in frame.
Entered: 11:14
